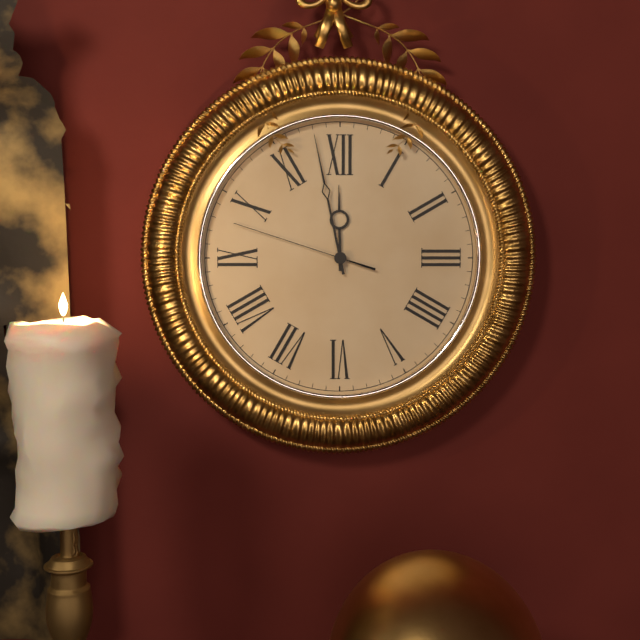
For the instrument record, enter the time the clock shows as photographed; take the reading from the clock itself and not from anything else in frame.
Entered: 11:58:48
